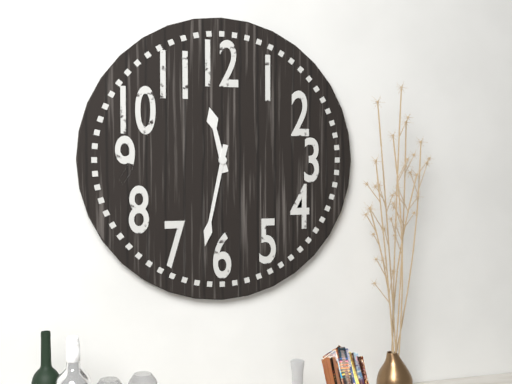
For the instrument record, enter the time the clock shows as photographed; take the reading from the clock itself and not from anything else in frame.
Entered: 11:32
